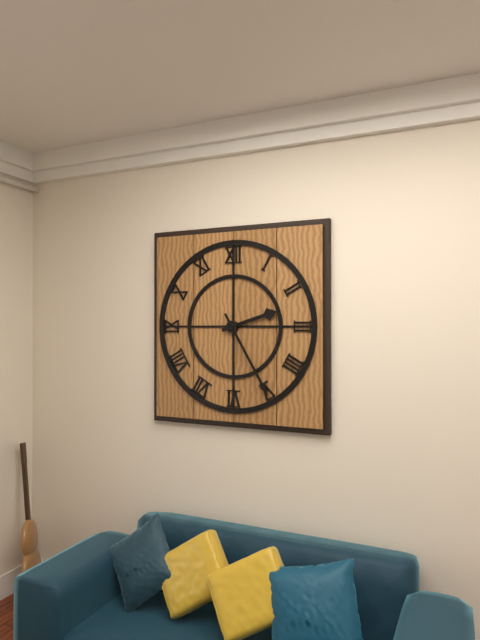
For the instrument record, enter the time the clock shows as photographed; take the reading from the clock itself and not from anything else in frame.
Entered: 2:25
